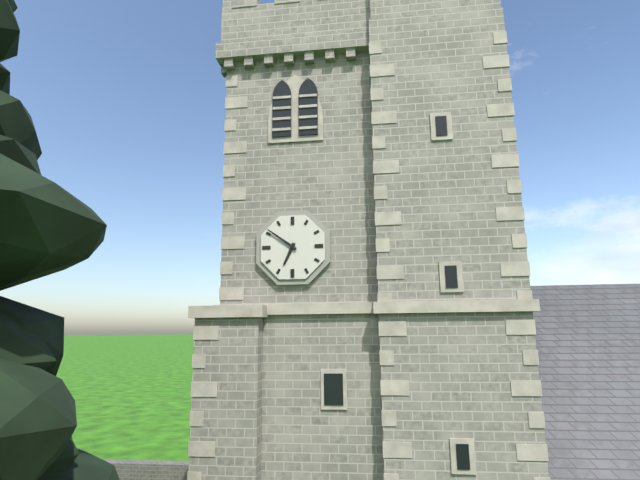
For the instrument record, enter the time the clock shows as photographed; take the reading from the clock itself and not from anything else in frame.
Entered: 6:51
